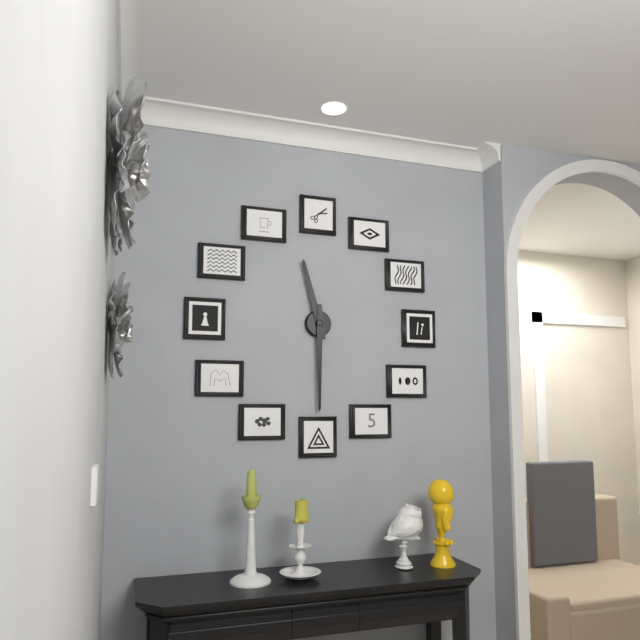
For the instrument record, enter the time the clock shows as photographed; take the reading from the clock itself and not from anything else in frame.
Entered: 11:30
